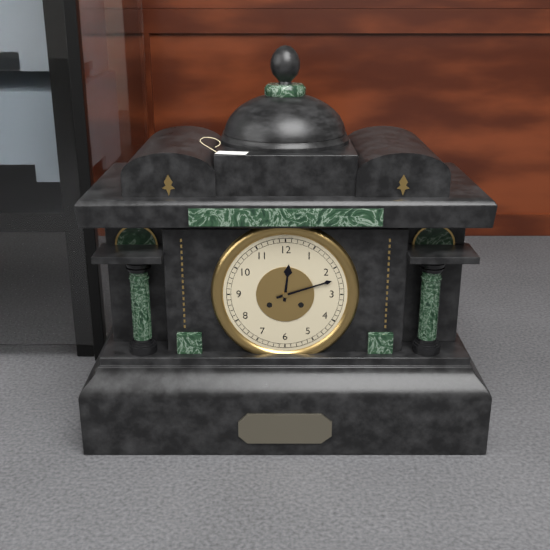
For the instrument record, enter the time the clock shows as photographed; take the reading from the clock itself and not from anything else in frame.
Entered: 12:12
